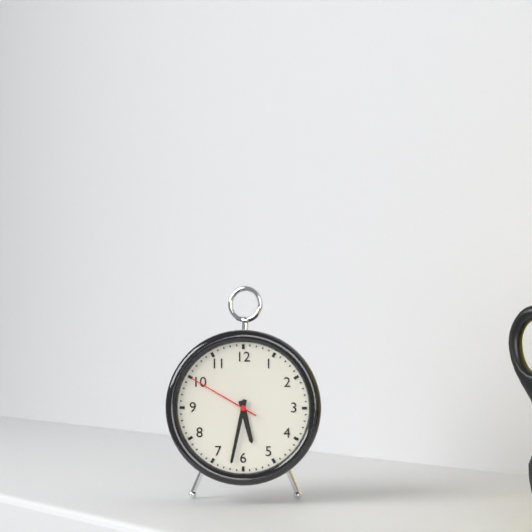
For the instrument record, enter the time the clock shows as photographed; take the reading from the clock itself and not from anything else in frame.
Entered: 5:32:50
